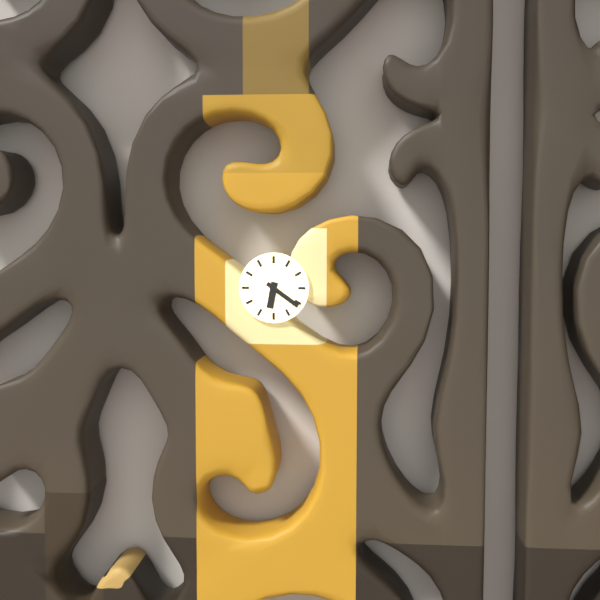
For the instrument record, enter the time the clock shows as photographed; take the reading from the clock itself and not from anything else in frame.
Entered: 6:21
